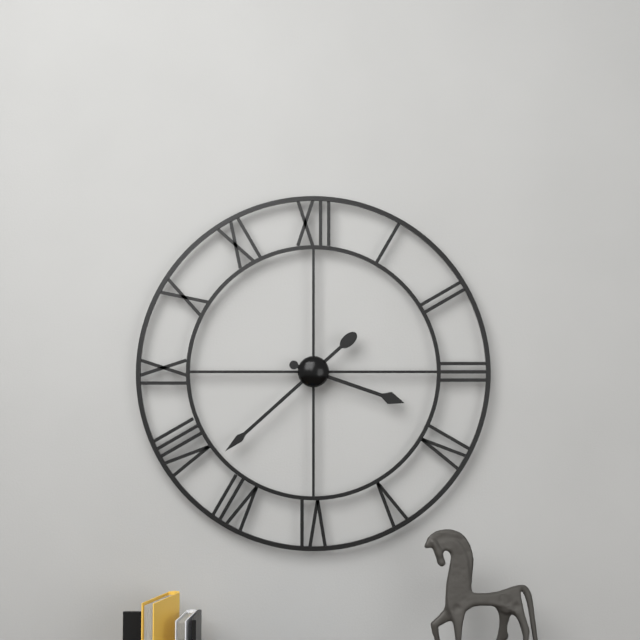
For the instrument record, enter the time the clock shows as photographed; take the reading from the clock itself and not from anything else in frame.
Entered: 3:38
